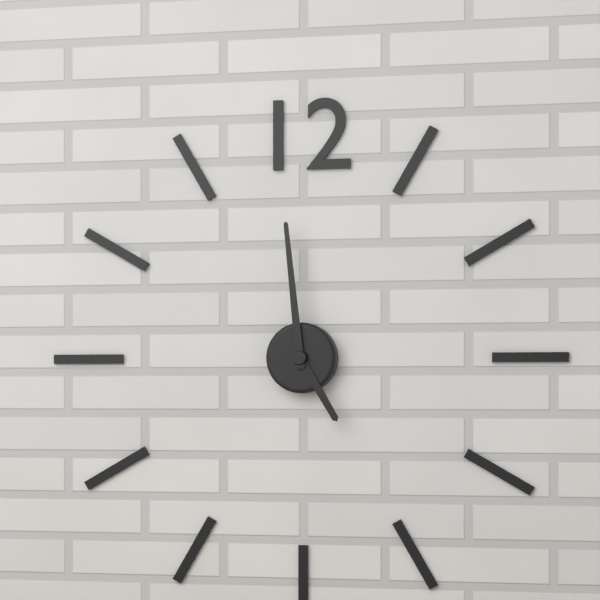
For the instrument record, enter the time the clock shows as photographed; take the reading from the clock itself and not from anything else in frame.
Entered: 4:59
